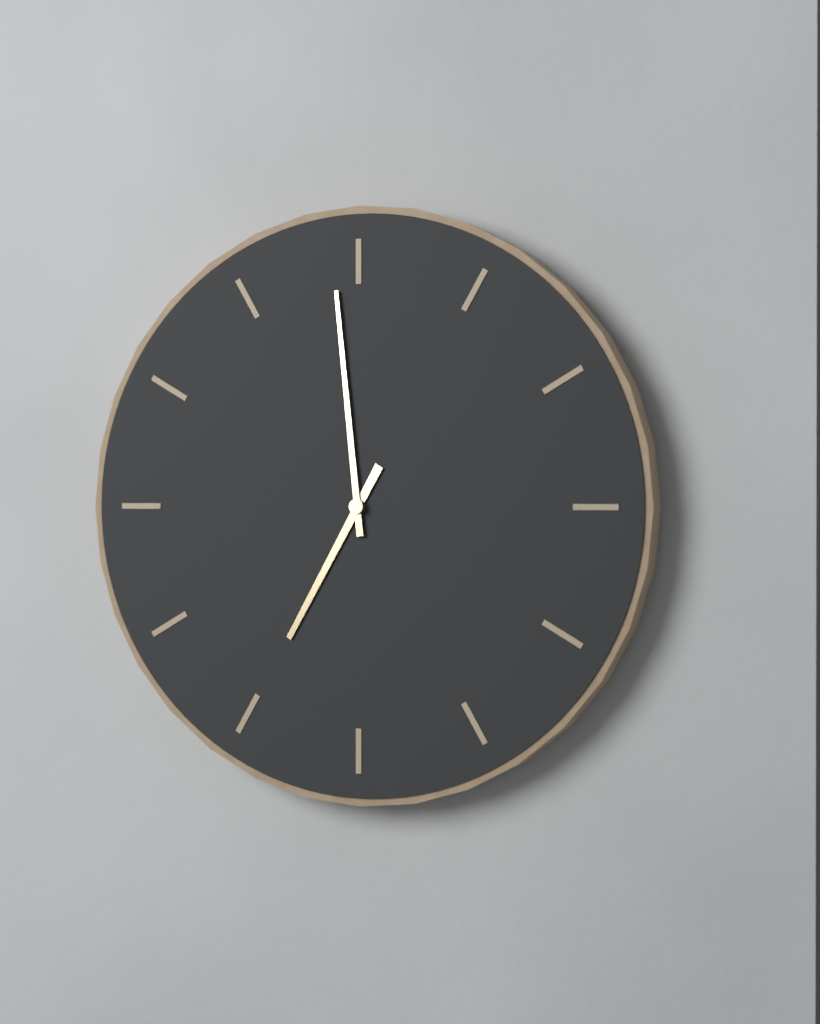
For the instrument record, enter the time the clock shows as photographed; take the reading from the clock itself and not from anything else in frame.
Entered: 6:59
